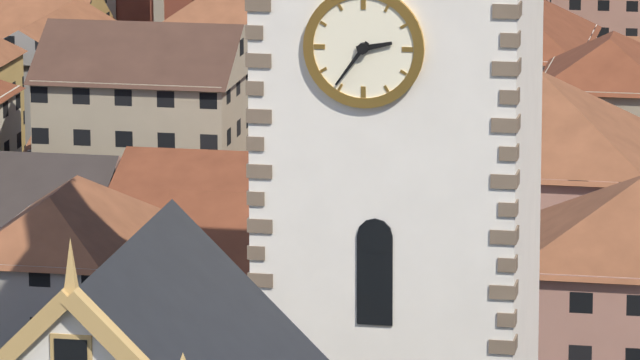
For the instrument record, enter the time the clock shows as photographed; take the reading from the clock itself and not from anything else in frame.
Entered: 2:36
